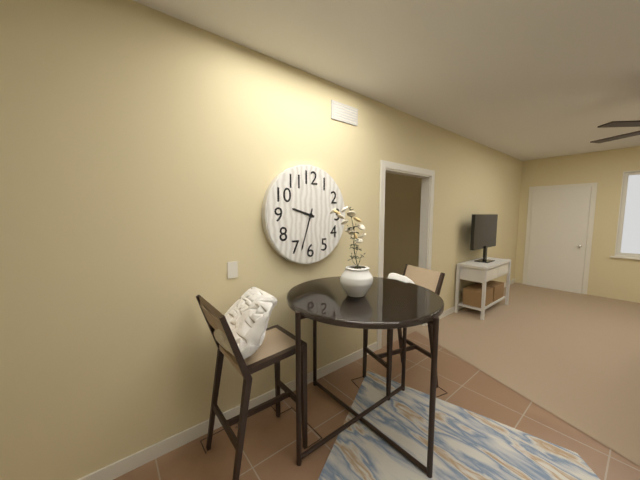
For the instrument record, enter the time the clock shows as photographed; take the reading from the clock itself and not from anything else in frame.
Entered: 9:33
